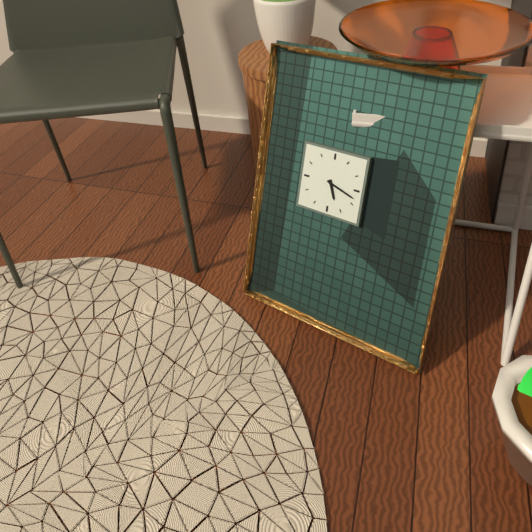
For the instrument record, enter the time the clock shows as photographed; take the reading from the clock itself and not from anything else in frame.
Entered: 5:18
